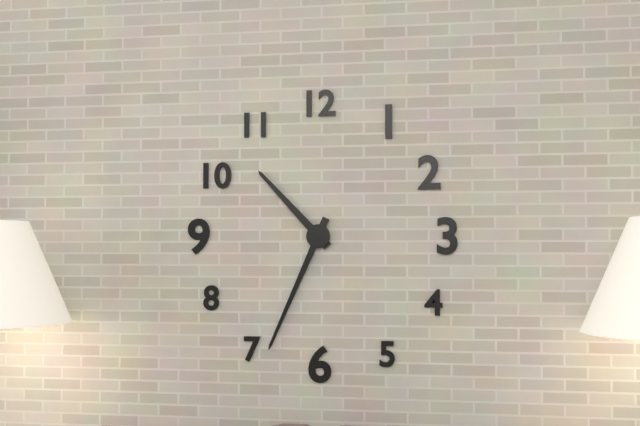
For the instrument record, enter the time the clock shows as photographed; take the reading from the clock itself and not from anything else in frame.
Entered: 10:34
